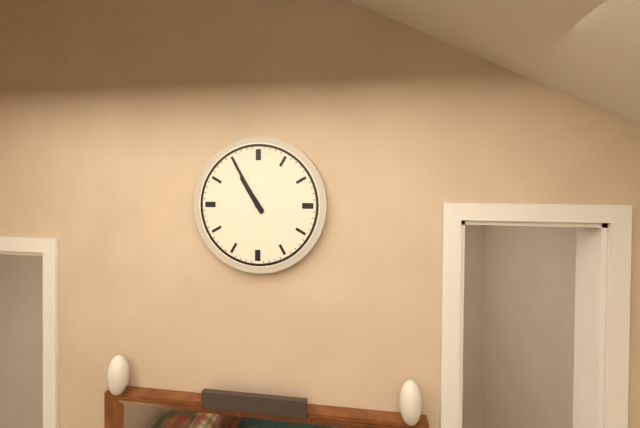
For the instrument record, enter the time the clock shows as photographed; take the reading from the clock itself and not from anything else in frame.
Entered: 10:55
